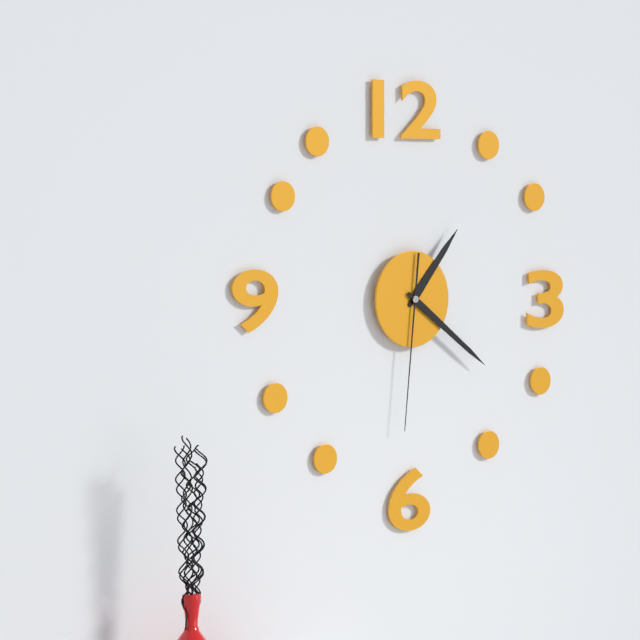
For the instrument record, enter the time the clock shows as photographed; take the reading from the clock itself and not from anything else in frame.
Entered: 1:21:31
